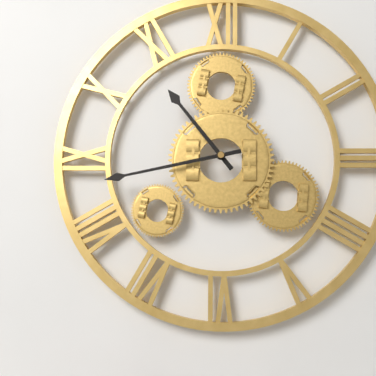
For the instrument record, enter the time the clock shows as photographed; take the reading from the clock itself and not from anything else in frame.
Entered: 10:43
